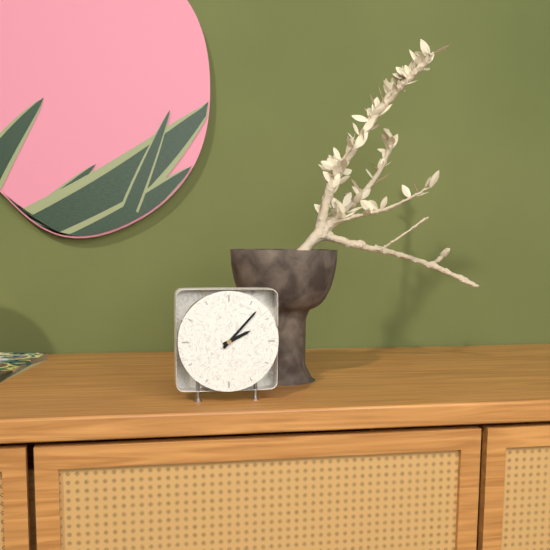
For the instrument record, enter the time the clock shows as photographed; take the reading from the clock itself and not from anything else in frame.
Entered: 2:07
